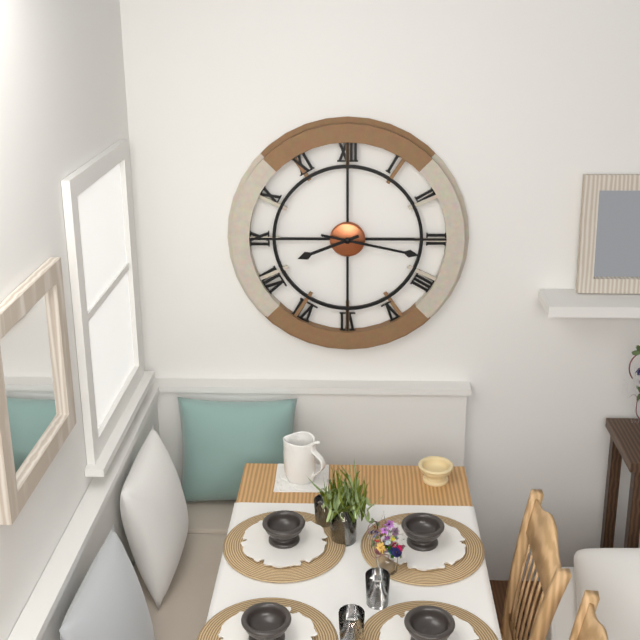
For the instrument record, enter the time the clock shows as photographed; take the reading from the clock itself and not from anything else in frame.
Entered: 8:17
